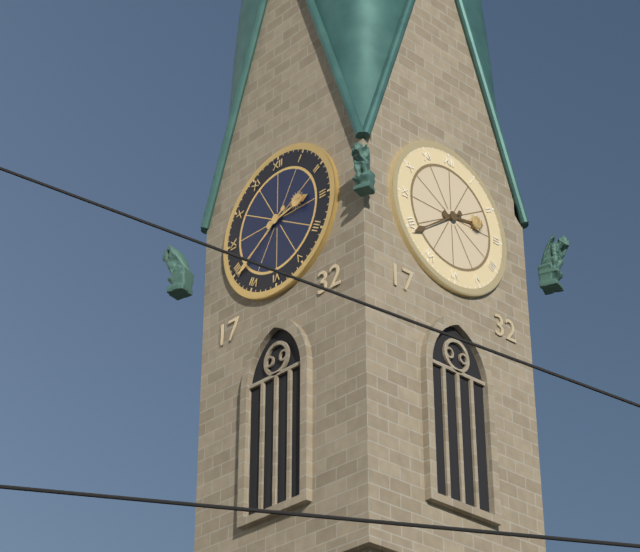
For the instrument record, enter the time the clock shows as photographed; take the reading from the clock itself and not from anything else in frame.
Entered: 2:39
